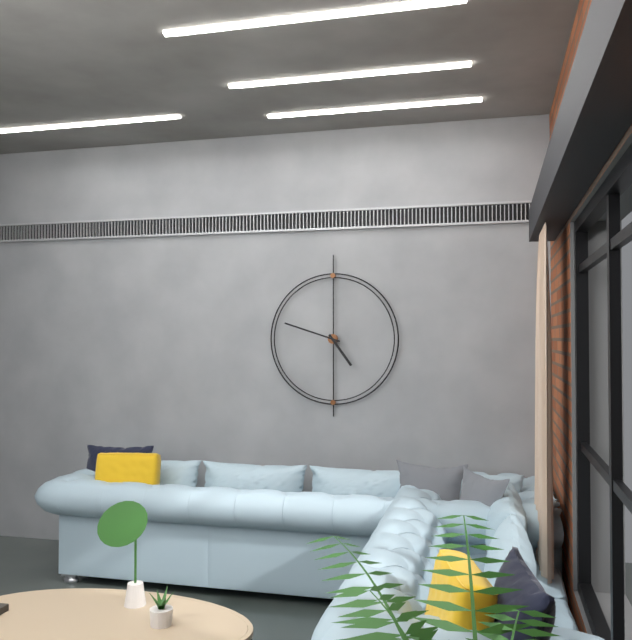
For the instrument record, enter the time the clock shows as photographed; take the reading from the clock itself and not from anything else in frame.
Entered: 4:48
